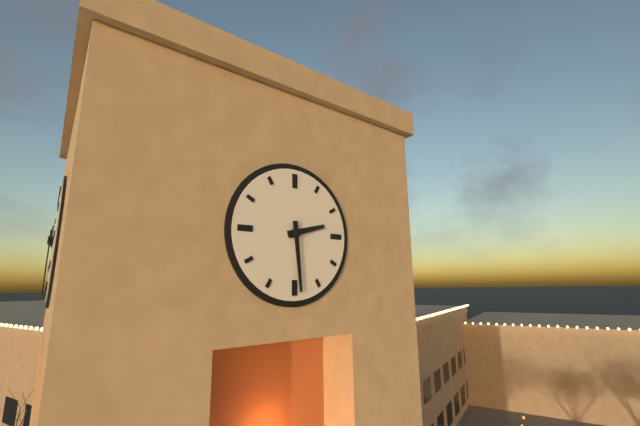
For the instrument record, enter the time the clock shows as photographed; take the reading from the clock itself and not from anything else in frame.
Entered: 2:29
